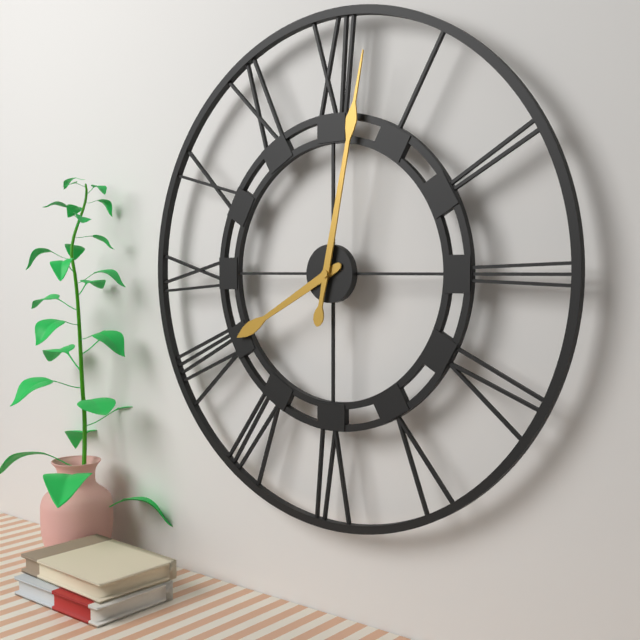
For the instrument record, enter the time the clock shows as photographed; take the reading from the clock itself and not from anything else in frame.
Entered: 8:02
